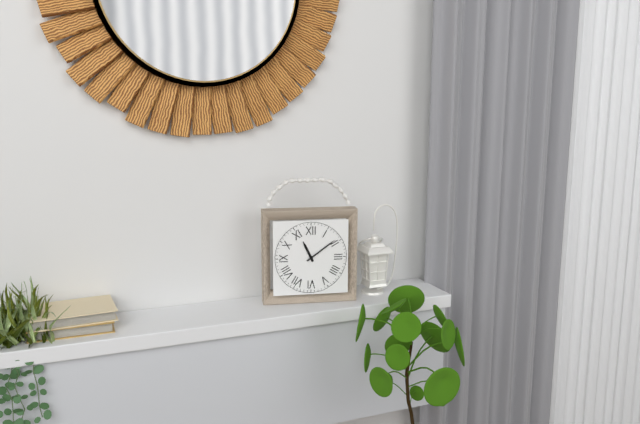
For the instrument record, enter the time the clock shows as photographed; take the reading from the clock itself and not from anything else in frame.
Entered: 11:09
